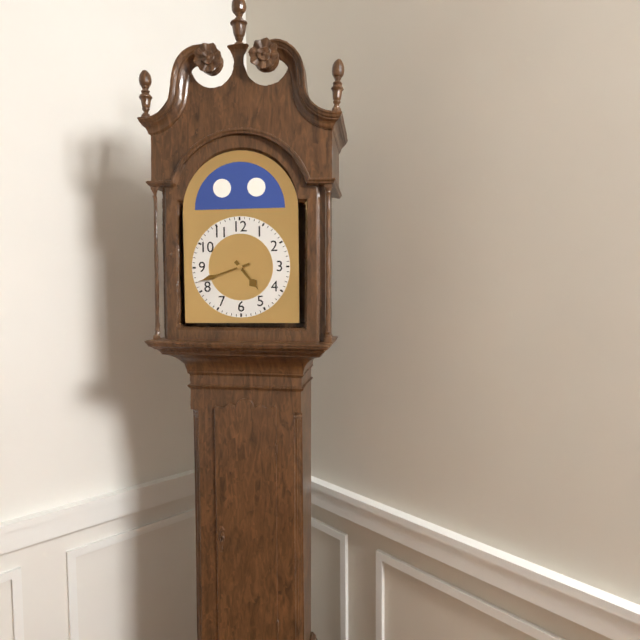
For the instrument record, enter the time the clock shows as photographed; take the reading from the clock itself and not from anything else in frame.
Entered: 4:42
